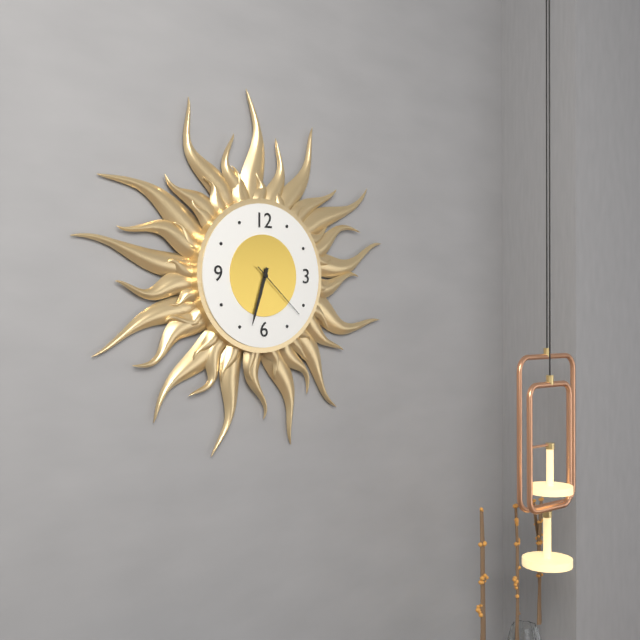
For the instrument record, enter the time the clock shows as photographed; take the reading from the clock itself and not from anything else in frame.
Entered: 6:33:22
